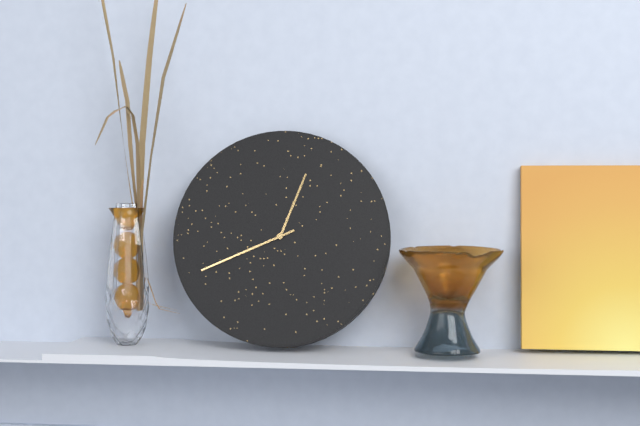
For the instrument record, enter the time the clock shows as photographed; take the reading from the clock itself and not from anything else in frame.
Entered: 12:41
